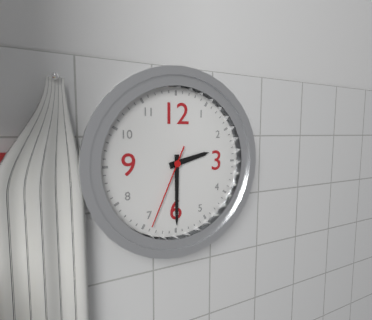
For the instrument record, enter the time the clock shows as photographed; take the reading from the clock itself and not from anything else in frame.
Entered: 2:30:34
